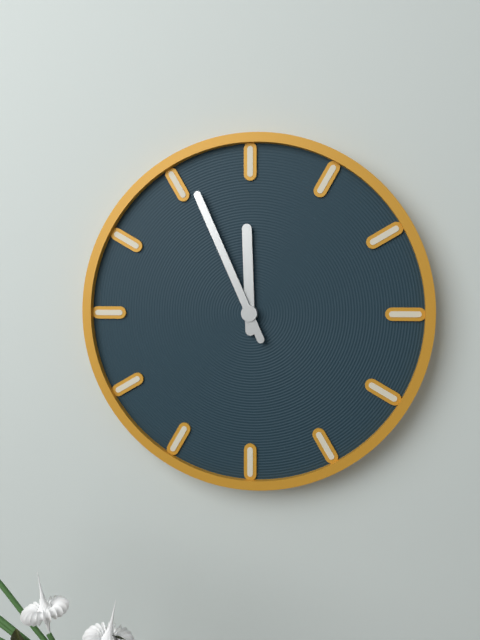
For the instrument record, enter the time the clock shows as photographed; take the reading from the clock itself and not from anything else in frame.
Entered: 11:56
